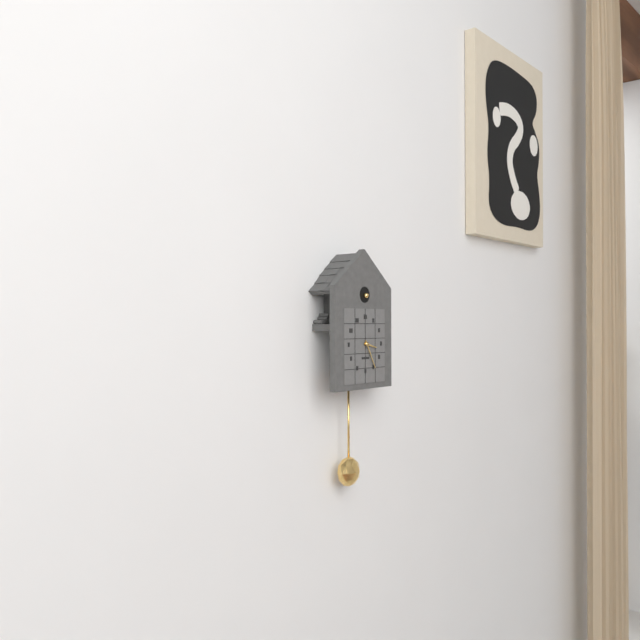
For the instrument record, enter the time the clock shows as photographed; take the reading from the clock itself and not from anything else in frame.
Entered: 3:25
